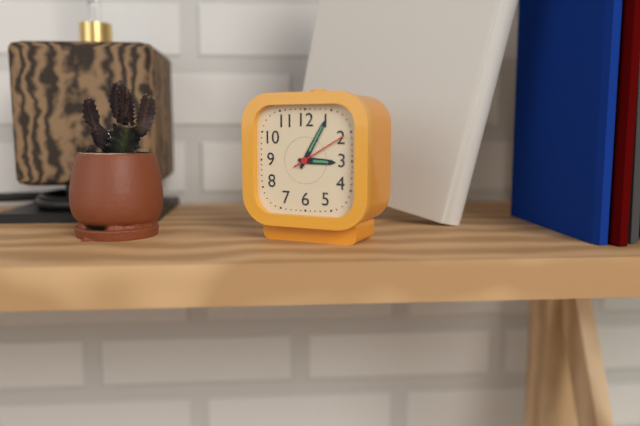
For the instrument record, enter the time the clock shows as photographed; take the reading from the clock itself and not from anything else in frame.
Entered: 3:05
